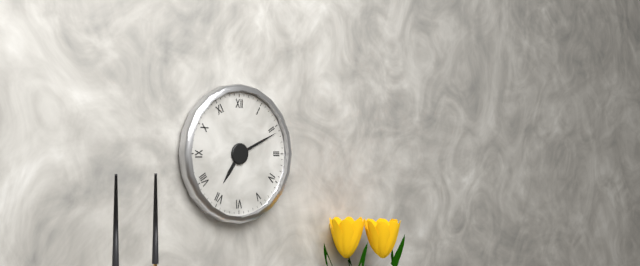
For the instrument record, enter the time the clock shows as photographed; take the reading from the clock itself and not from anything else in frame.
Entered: 7:11
